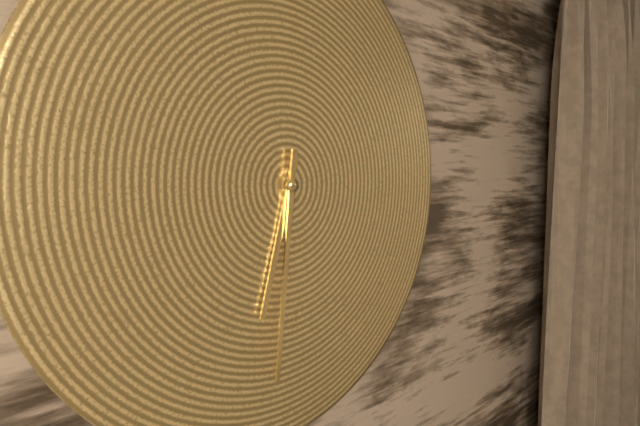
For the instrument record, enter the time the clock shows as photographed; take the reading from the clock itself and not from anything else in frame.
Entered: 6:31
